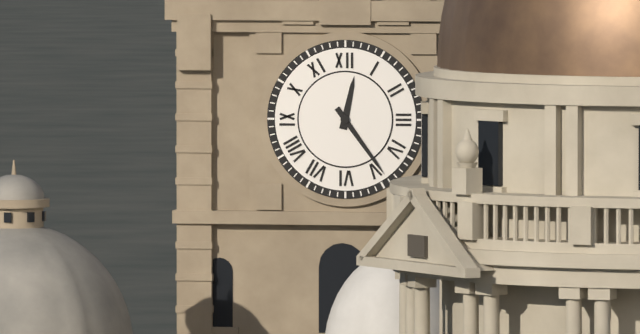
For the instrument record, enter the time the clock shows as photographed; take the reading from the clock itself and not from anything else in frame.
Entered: 12:24
